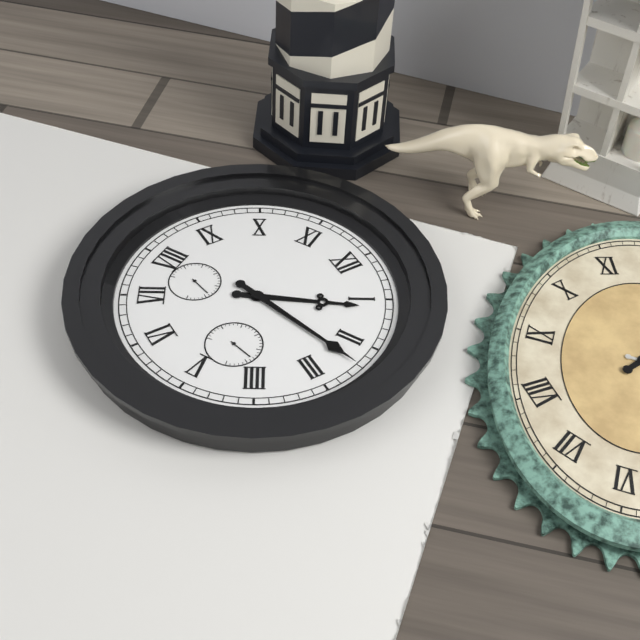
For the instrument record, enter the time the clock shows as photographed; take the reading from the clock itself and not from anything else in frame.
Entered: 1:12
